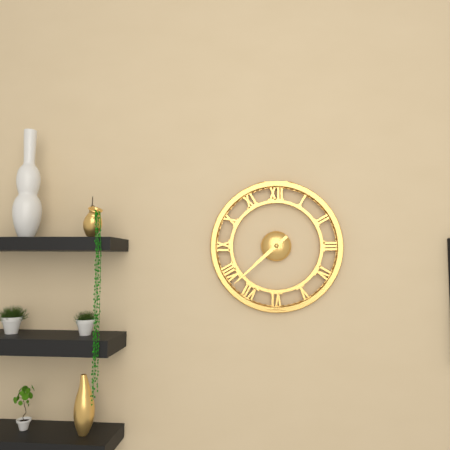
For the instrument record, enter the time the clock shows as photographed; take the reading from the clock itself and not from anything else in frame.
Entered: 7:38
